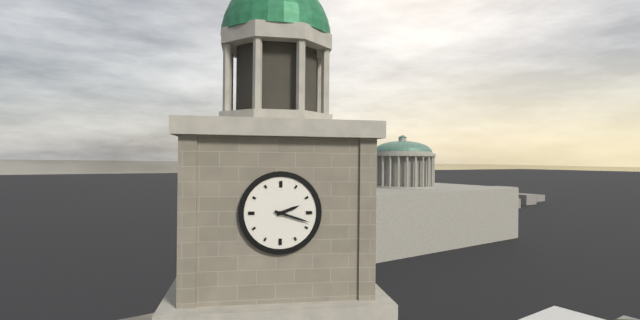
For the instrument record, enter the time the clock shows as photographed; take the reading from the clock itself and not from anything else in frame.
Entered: 2:18
